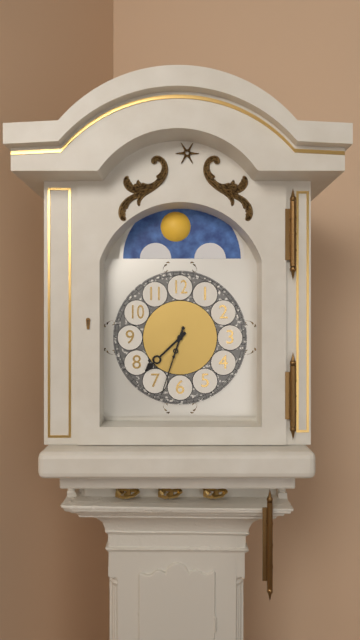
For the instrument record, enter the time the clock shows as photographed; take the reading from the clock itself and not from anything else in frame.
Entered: 7:33
